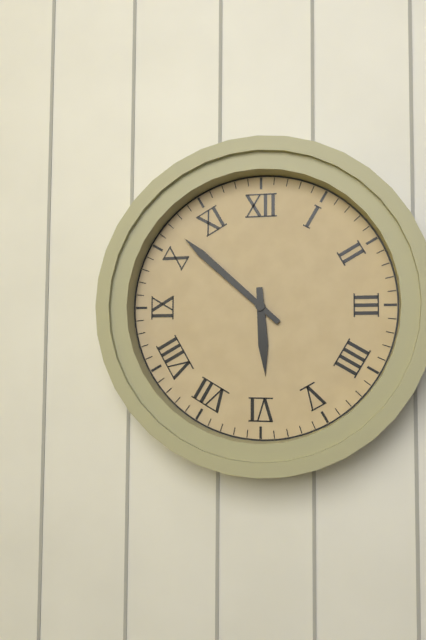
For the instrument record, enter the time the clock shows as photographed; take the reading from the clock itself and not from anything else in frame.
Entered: 5:52
